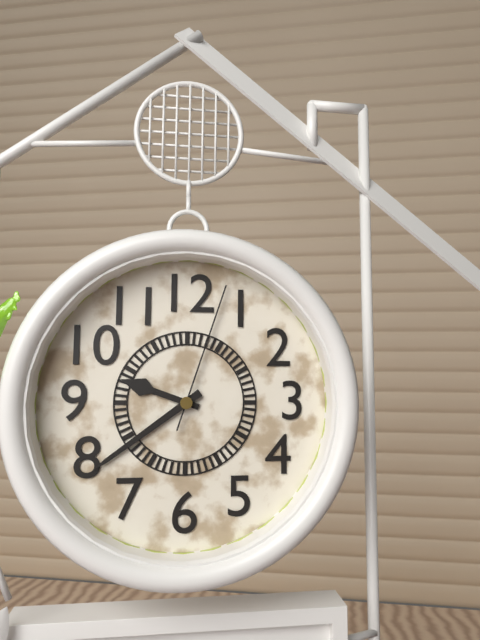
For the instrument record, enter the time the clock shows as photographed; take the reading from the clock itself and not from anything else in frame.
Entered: 9:39:03
